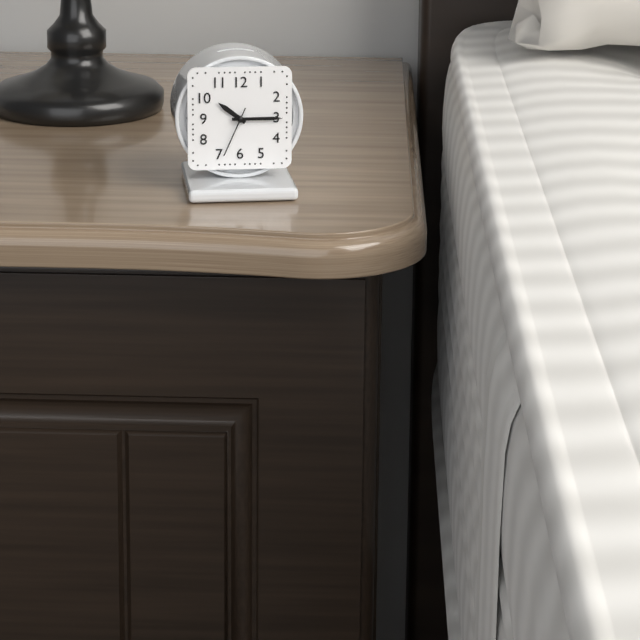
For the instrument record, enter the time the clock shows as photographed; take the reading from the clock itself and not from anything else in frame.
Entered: 10:15:34
